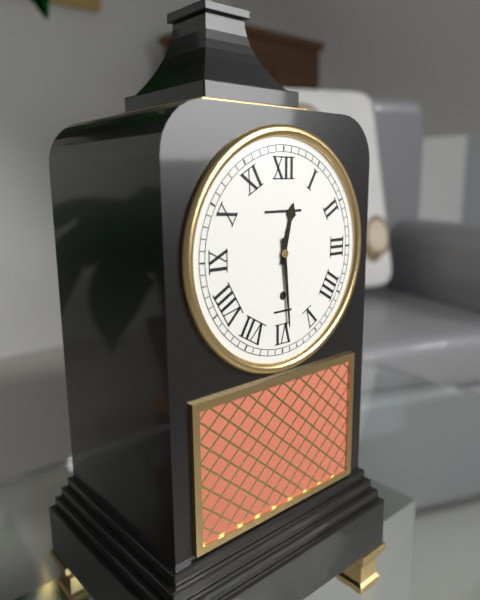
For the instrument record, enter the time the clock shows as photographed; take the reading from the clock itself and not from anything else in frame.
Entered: 12:29
